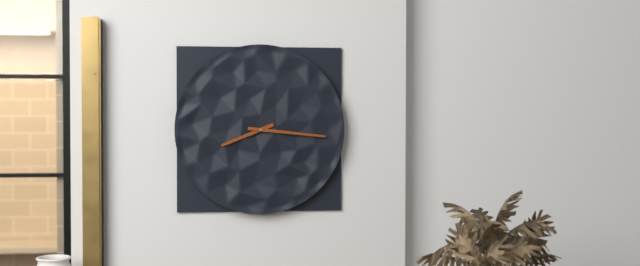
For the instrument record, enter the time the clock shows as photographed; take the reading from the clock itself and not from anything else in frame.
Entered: 8:16
